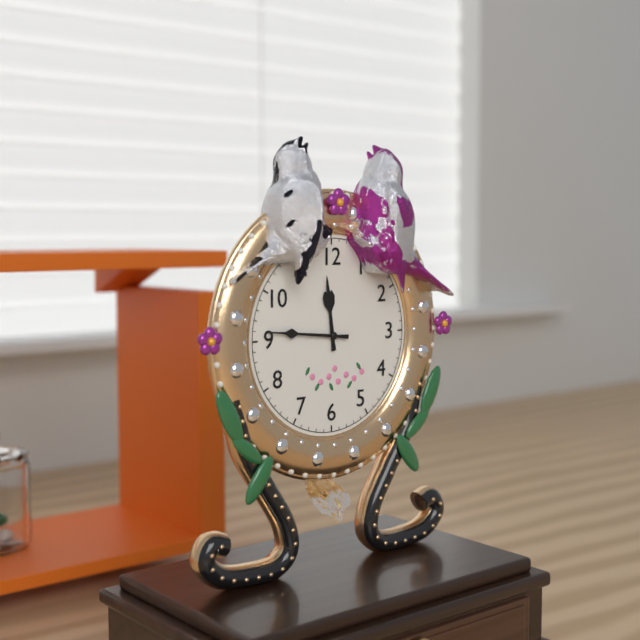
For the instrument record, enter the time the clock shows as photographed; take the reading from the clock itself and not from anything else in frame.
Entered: 11:46
